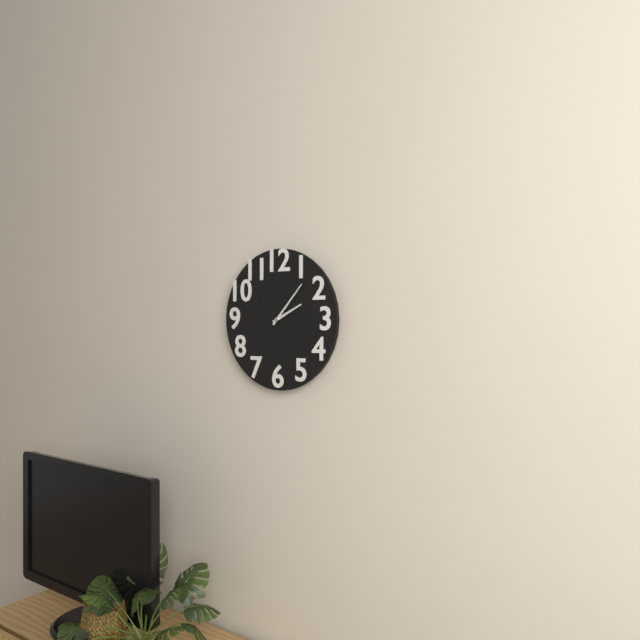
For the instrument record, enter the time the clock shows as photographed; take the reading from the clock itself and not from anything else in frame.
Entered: 2:07
